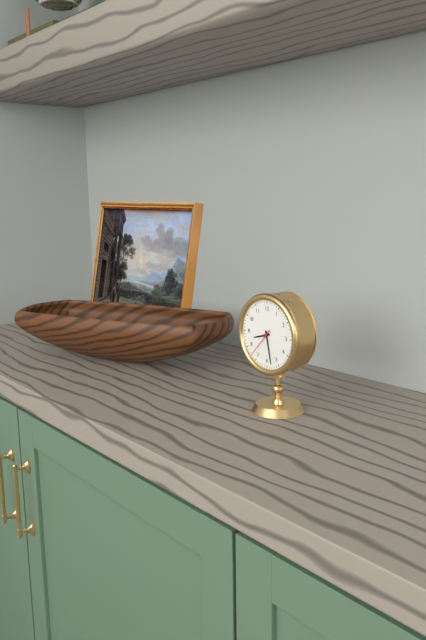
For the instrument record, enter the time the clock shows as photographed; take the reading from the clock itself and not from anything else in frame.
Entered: 8:28
